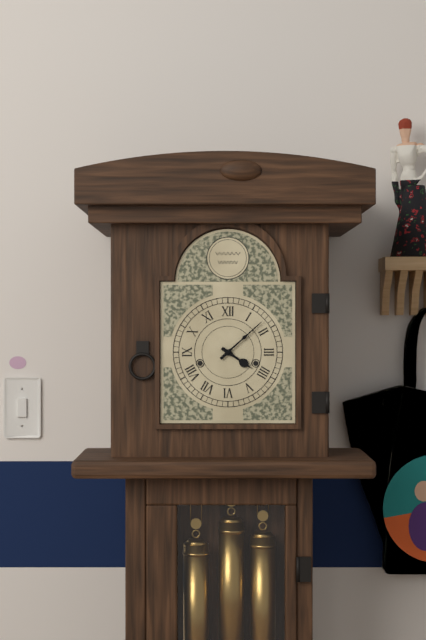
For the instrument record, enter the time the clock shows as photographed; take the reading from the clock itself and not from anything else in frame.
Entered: 4:08
